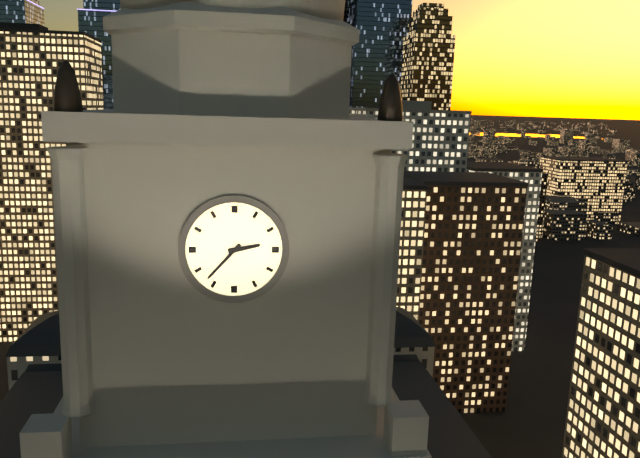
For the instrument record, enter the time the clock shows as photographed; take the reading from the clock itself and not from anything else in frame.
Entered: 2:37
